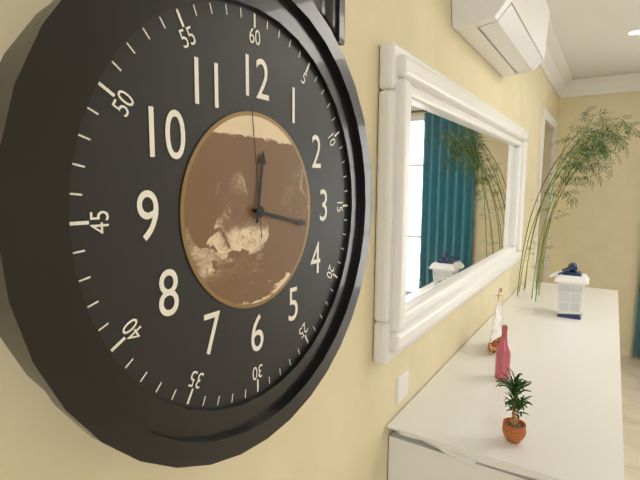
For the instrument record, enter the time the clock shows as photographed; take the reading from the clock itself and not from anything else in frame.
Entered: 12:17:59
